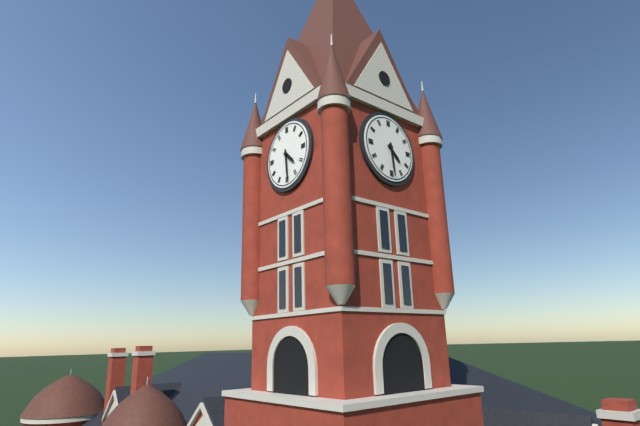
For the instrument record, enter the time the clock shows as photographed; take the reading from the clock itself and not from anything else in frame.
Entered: 4:29
